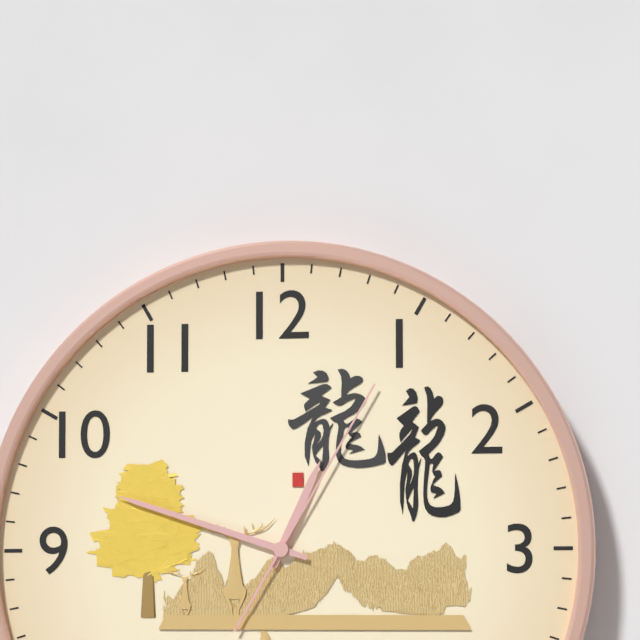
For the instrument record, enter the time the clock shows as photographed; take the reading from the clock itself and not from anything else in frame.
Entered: 12:48:05
